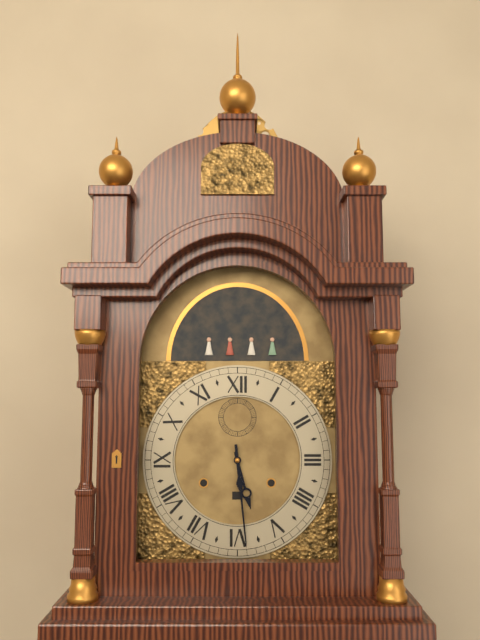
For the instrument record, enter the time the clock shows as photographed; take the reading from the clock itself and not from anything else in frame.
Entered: 5:29
